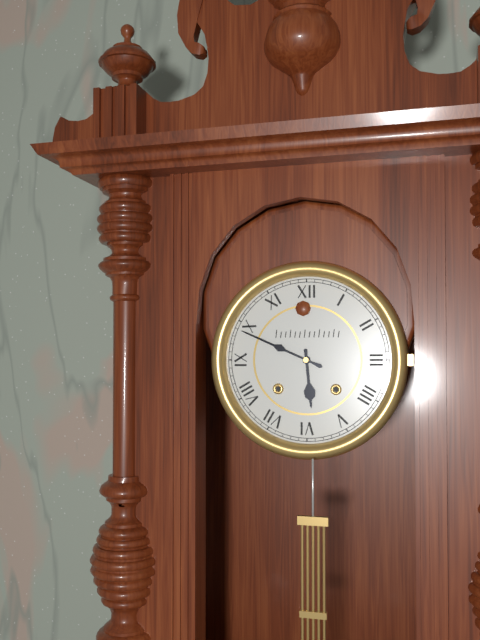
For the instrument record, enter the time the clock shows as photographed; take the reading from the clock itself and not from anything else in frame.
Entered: 5:49
